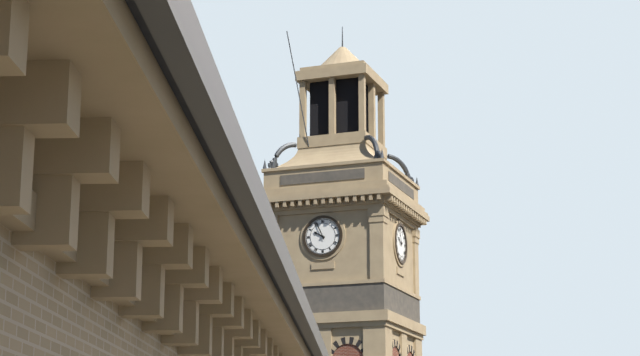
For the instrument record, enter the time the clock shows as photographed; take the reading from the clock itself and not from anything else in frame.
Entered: 9:56
